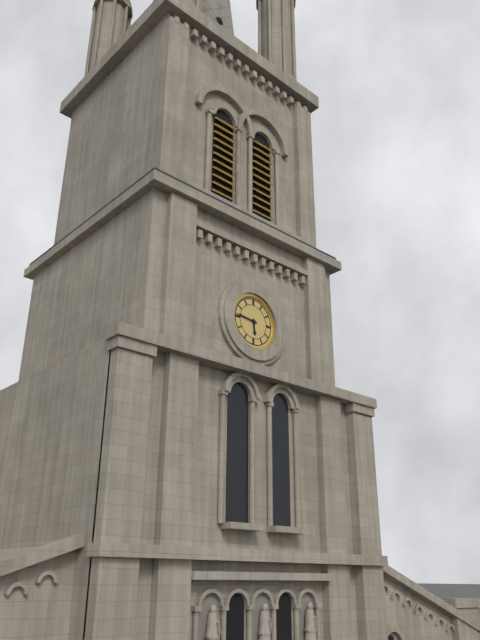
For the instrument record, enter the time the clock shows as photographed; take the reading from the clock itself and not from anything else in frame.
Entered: 5:46
